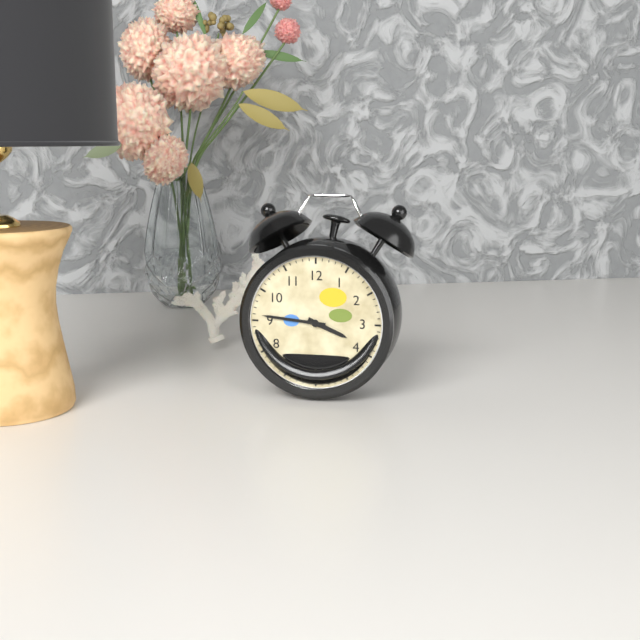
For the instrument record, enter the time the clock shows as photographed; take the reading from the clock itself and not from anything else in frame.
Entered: 3:46
